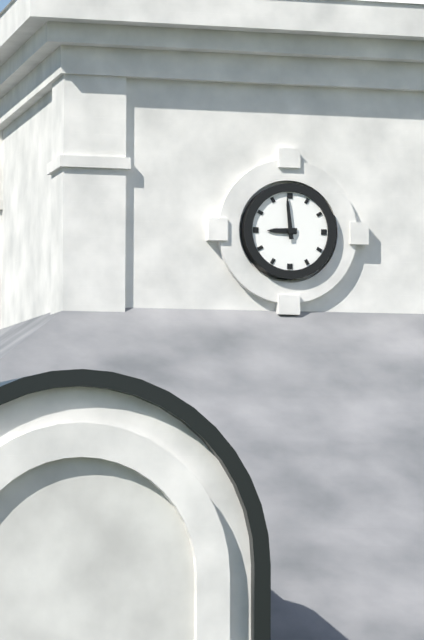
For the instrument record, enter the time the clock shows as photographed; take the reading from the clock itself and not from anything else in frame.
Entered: 8:59
